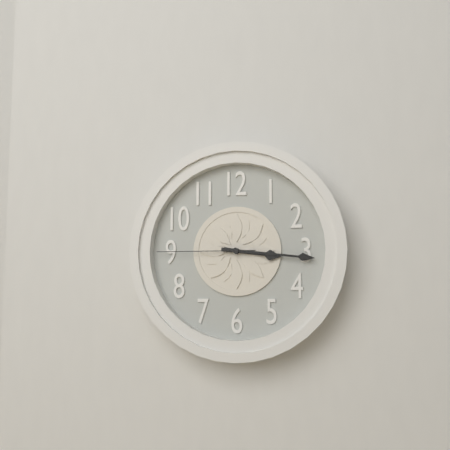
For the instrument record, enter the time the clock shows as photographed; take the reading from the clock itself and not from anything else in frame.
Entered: 3:16:45
